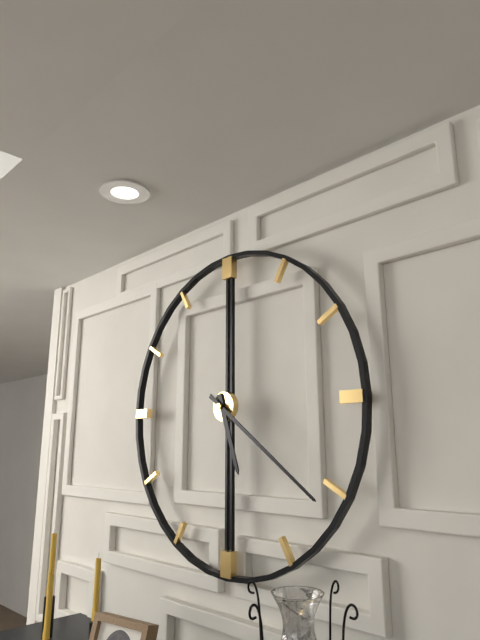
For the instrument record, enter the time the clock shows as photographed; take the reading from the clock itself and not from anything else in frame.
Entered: 5:21
